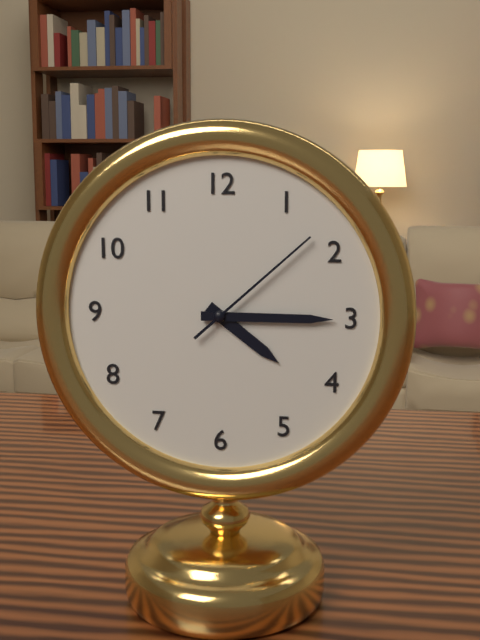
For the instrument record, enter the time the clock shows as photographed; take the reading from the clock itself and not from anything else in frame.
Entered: 4:15:08
